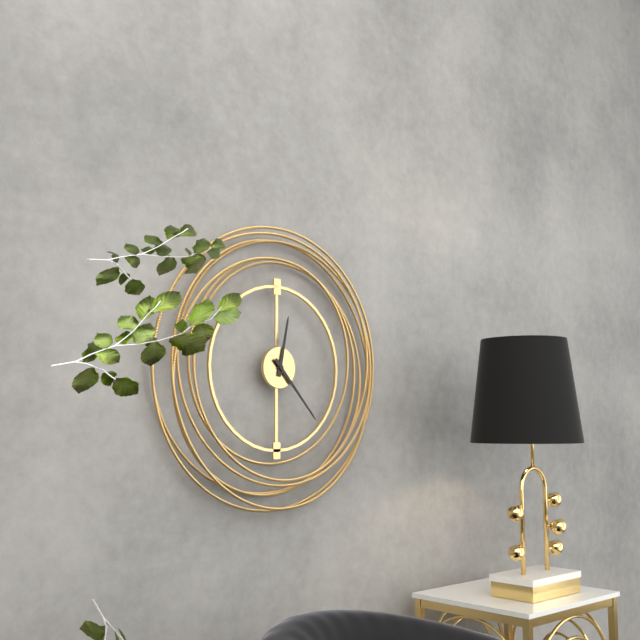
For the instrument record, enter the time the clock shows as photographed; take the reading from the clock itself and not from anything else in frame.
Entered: 12:23
